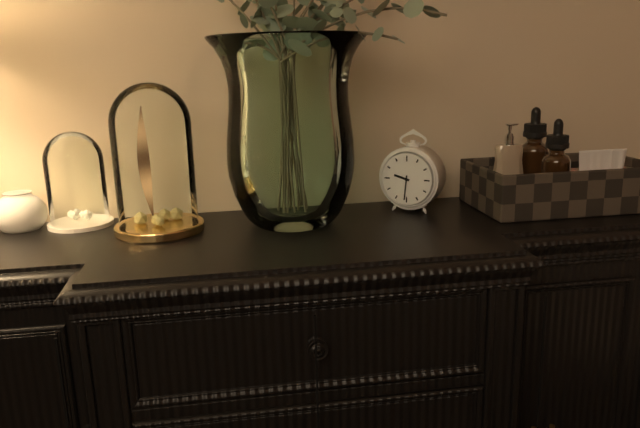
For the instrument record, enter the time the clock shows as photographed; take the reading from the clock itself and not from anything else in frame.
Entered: 9:31
